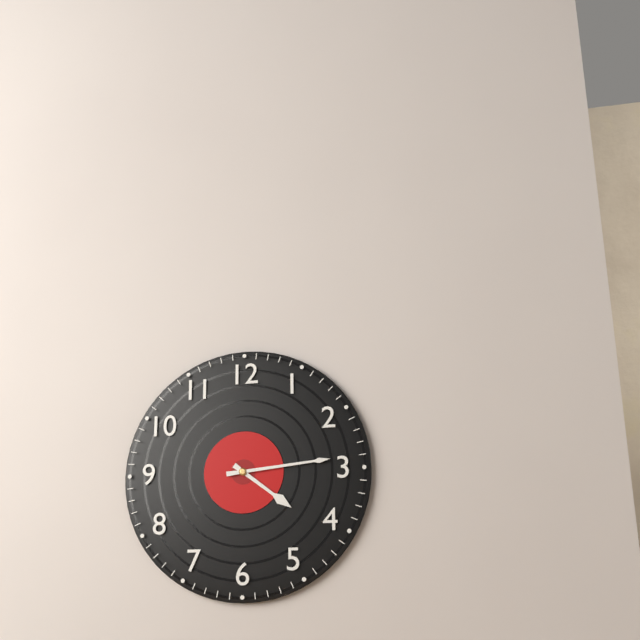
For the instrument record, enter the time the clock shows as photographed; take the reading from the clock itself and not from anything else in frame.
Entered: 4:14
